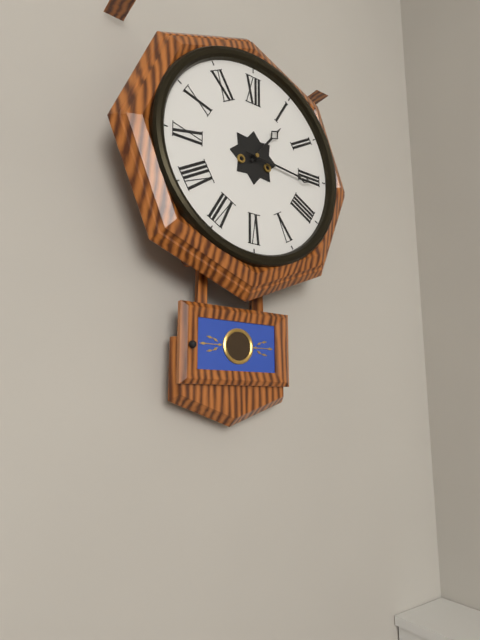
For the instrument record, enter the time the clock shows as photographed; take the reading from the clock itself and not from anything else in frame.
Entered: 1:16
